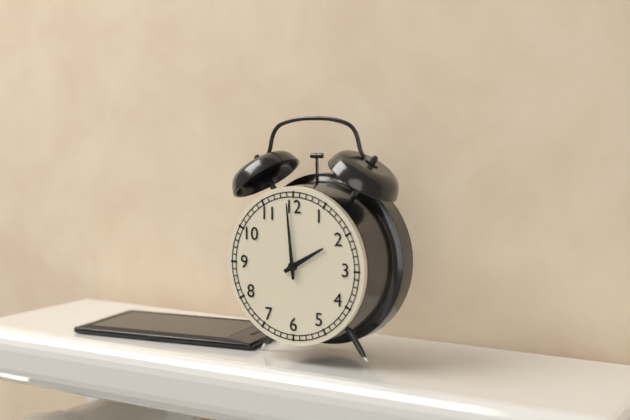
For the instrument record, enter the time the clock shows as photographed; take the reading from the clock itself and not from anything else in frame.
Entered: 1:59
